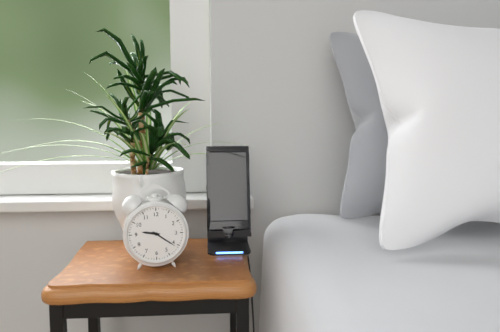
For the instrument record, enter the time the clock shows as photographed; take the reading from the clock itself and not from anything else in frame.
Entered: 9:21
